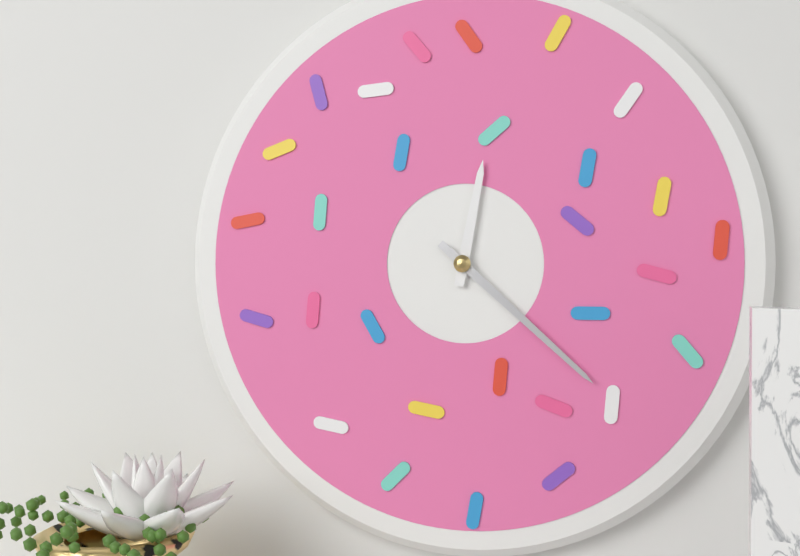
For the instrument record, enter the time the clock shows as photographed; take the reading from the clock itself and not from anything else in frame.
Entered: 12:22
